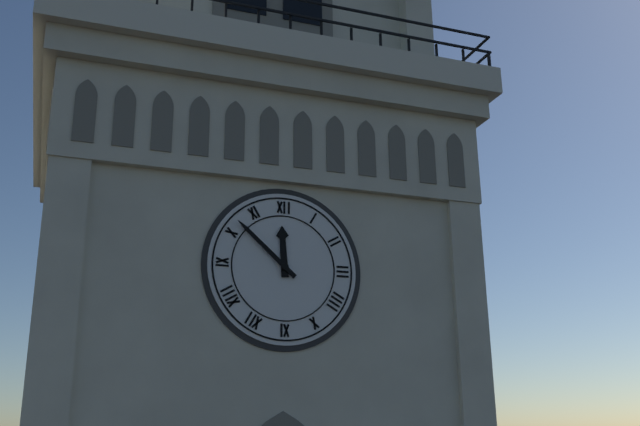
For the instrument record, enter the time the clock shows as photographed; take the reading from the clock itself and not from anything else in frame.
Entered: 11:52
